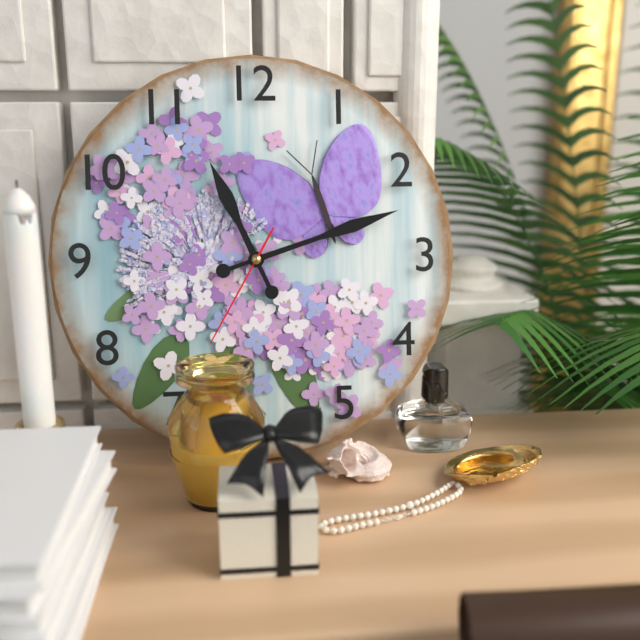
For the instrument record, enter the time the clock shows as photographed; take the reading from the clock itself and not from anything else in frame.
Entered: 11:12:35
